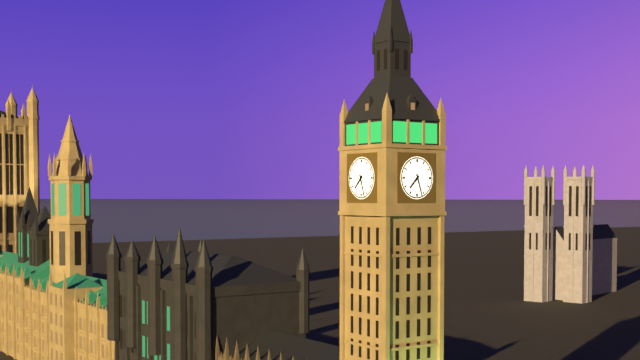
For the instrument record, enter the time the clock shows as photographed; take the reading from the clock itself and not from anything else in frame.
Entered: 7:27
